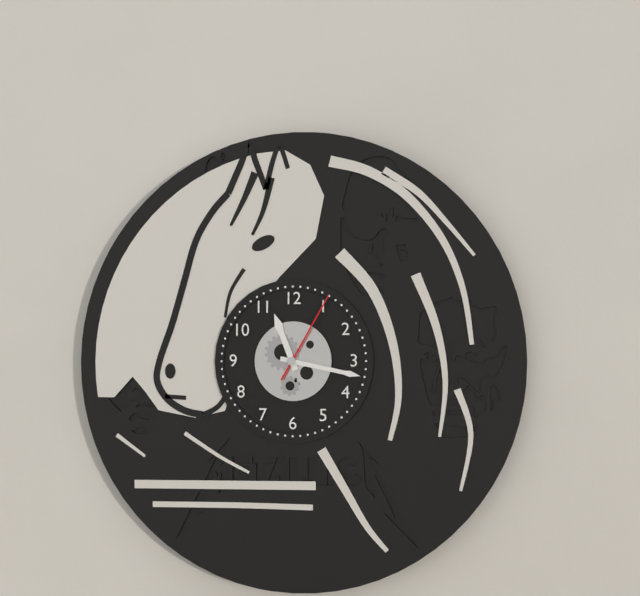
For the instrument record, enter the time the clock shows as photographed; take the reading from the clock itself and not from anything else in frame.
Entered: 11:17:05
